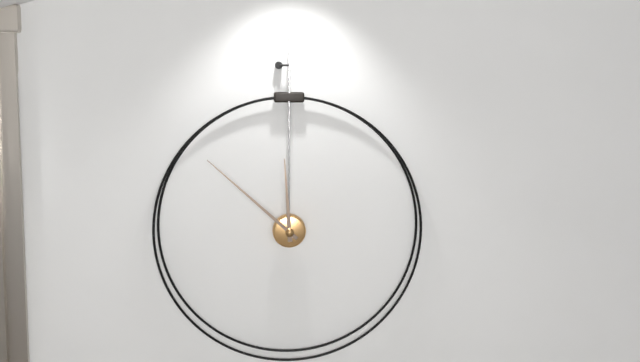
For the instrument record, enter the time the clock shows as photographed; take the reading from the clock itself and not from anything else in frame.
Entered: 11:52
